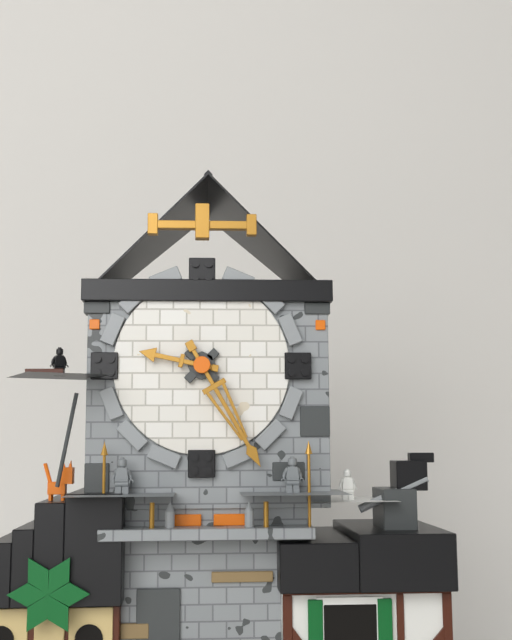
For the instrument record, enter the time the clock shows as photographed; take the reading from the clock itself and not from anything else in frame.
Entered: 9:25
